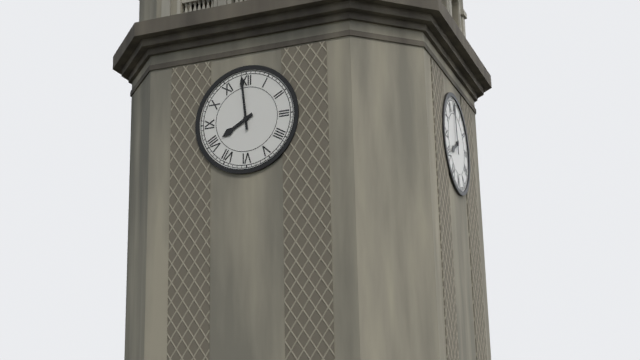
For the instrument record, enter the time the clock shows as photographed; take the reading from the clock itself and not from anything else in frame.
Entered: 7:59
